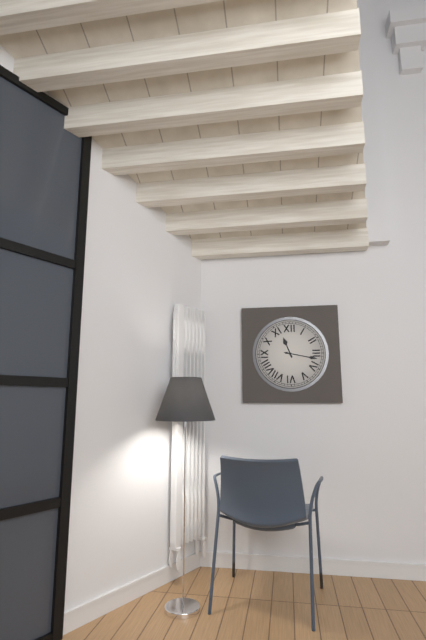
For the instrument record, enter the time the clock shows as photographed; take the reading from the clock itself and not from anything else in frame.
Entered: 11:17
